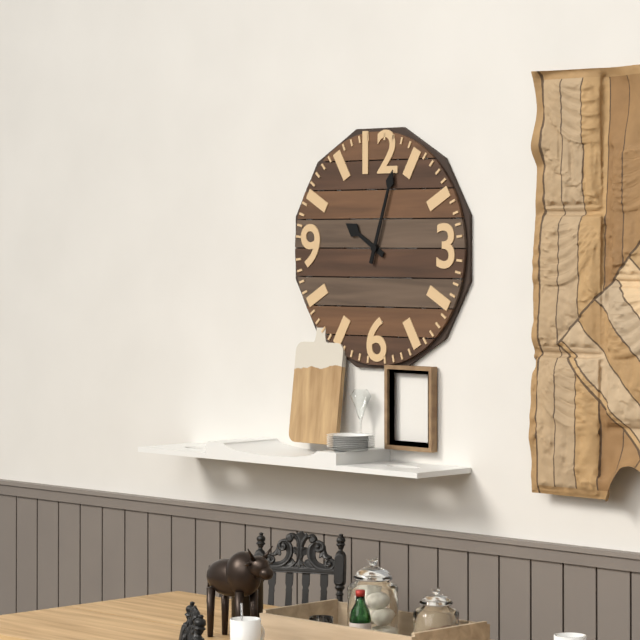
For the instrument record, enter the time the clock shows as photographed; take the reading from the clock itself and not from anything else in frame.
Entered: 10:03
